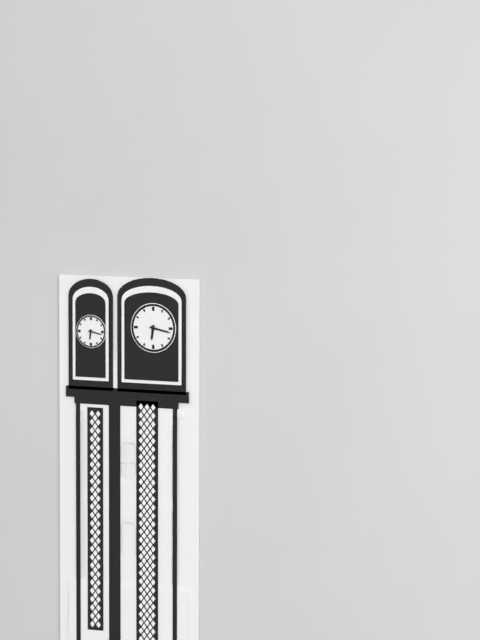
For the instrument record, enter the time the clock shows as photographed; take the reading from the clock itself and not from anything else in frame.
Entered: 6:17
